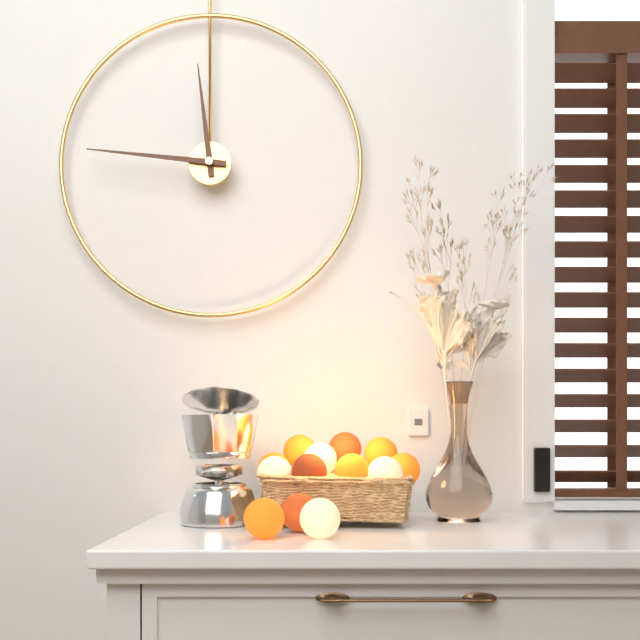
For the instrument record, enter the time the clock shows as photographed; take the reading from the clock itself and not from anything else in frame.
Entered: 11:46
